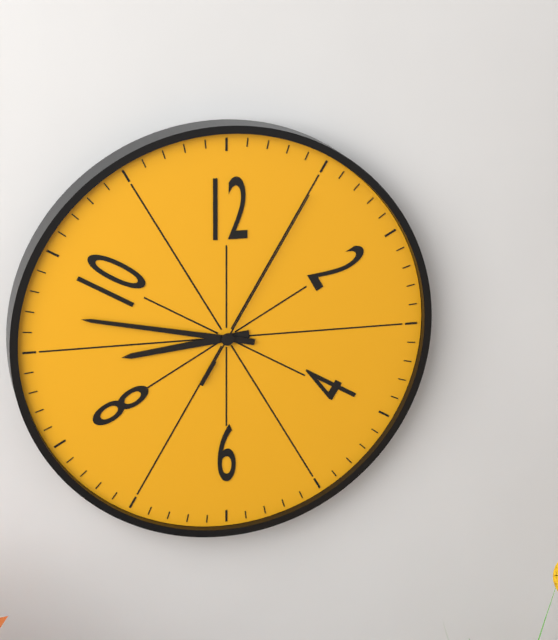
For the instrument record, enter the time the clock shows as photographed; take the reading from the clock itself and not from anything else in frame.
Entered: 8:47:05
